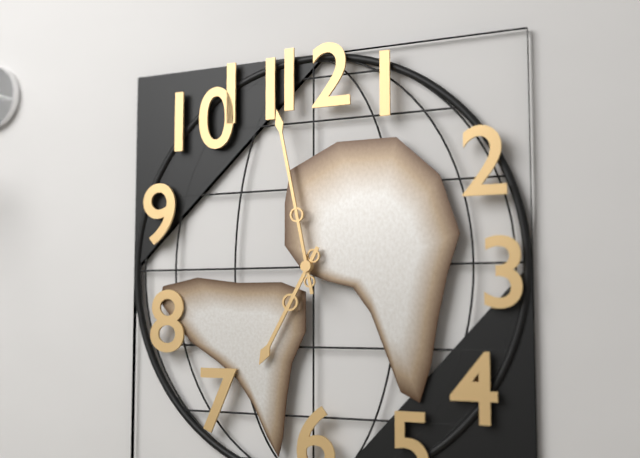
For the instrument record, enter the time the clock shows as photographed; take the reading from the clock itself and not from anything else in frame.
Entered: 6:58
